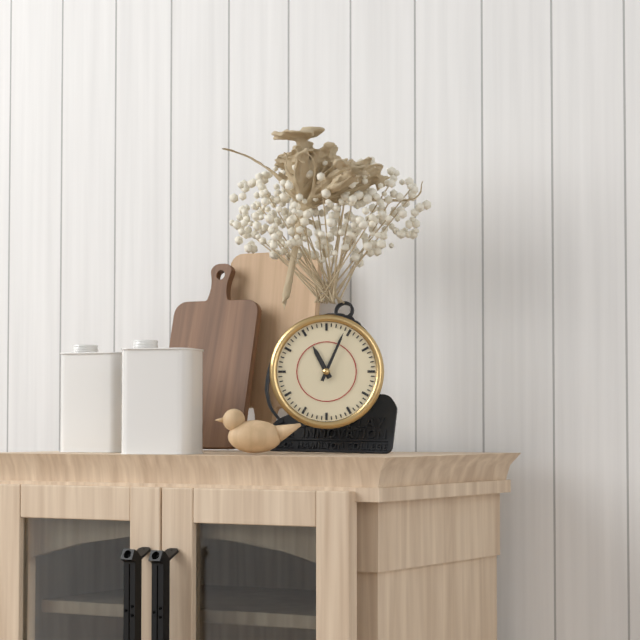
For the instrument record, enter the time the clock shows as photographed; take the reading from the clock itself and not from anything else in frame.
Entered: 11:04
